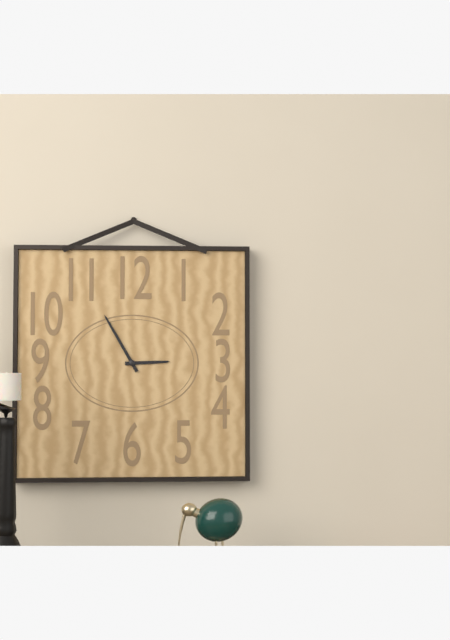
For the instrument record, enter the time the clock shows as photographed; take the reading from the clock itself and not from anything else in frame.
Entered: 2:55
